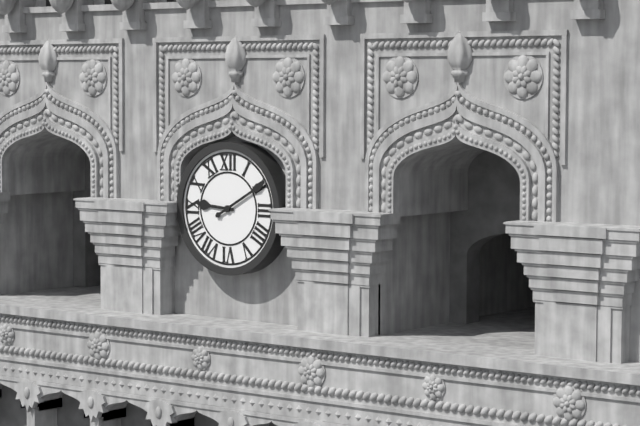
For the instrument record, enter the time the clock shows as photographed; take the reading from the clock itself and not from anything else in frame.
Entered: 9:10
